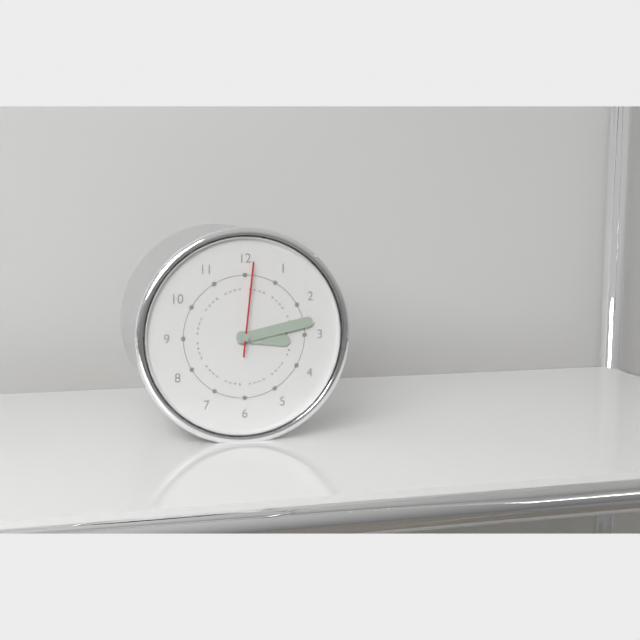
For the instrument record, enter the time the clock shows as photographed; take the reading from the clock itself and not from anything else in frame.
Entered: 3:13:01
